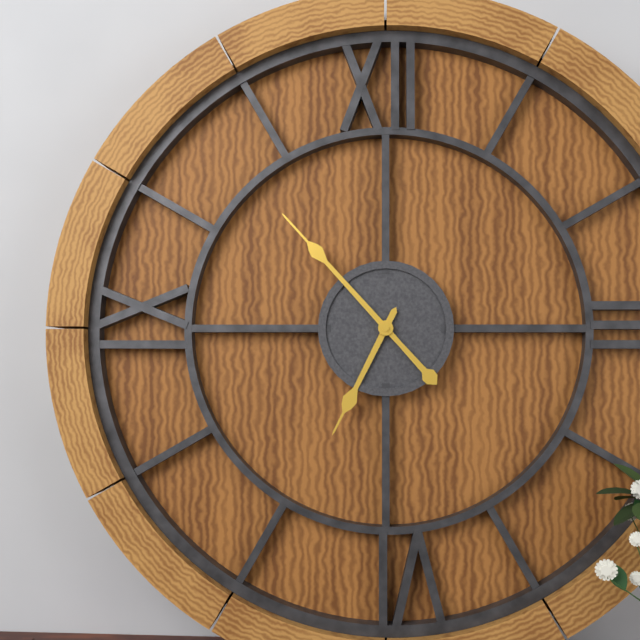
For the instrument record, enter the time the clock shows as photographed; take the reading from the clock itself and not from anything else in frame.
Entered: 6:53
